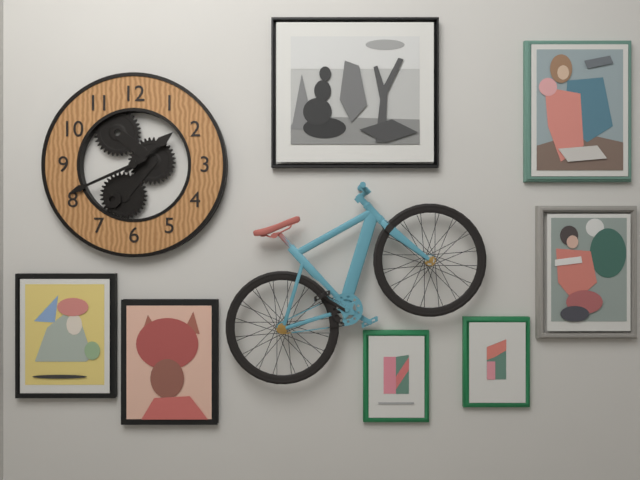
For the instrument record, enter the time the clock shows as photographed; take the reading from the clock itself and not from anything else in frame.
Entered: 1:41
